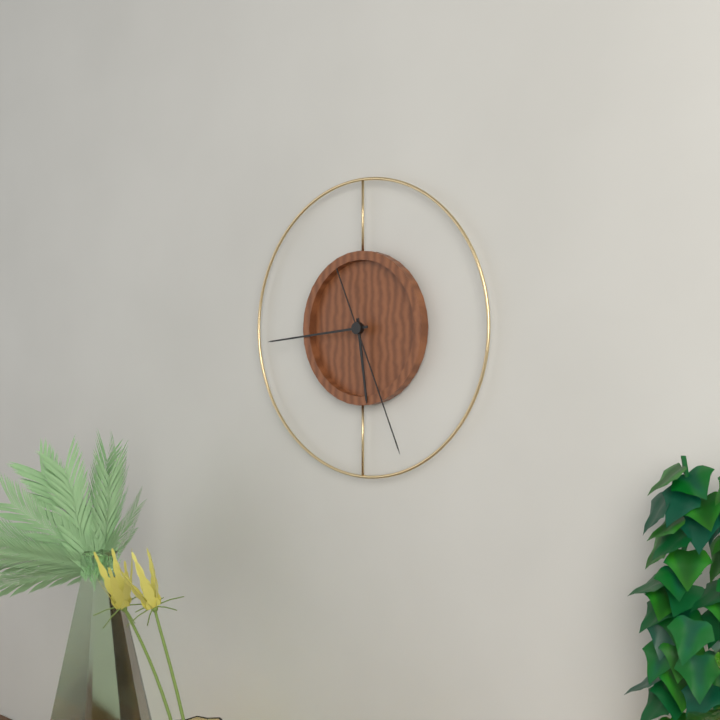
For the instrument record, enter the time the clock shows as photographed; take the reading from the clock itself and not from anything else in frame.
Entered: 5:44:26
